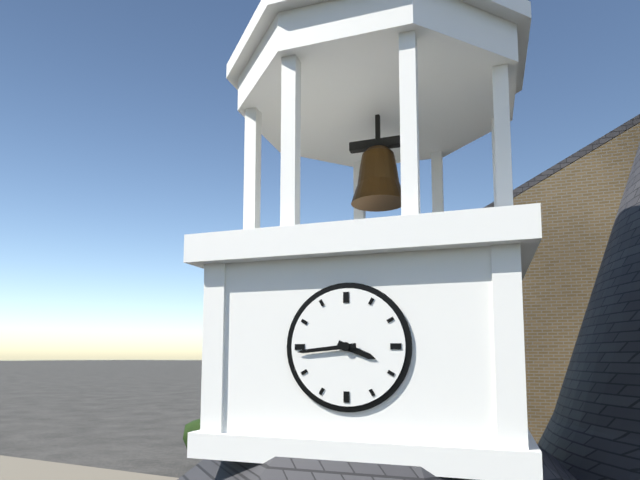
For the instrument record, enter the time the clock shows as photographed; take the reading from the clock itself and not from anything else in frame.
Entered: 3:44
